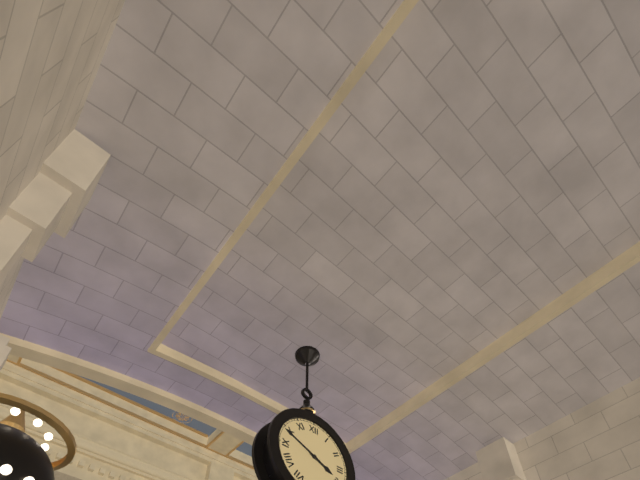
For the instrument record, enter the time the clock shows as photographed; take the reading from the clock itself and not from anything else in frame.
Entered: 3:49
